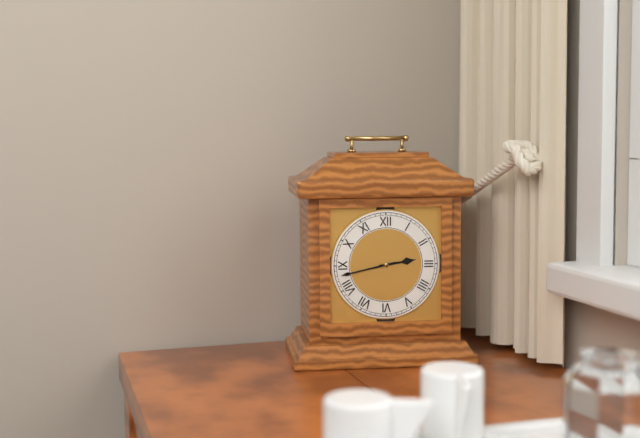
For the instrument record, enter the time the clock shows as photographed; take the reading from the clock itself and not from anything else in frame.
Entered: 2:43
